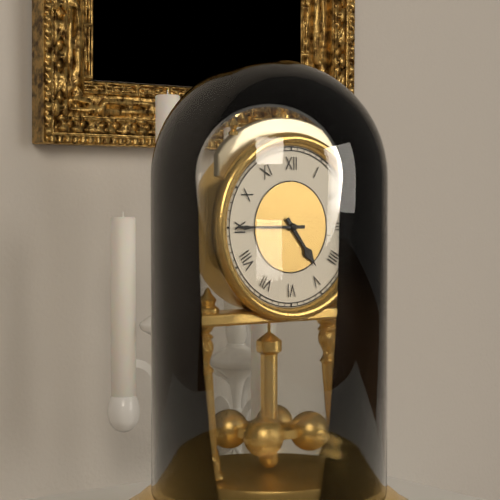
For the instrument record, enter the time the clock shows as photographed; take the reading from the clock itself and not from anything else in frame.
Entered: 4:45
